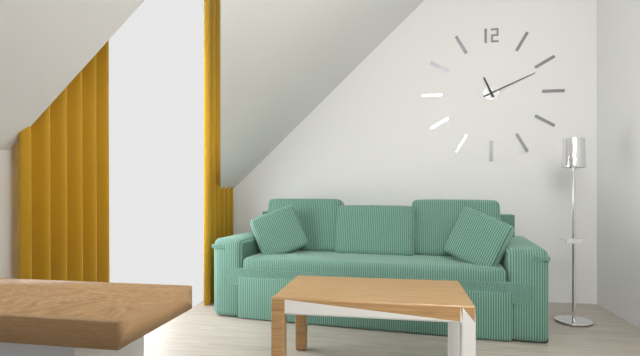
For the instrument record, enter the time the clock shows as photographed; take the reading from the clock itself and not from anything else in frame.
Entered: 11:11
